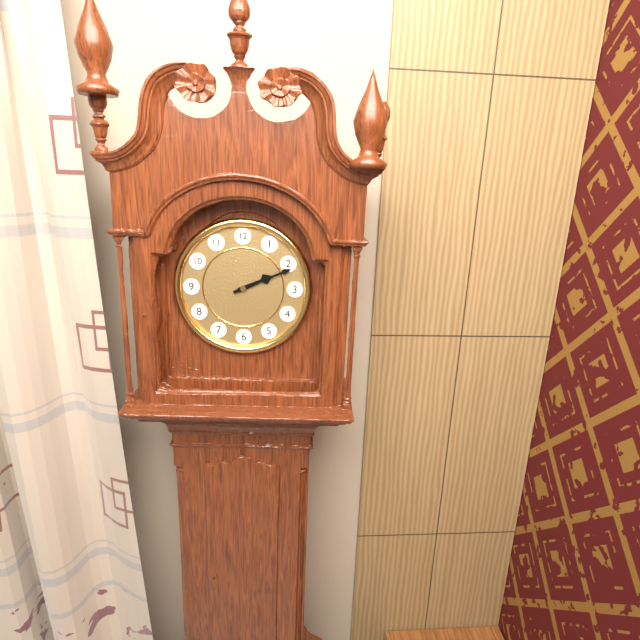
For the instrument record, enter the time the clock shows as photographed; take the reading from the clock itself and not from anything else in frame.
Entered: 2:11
